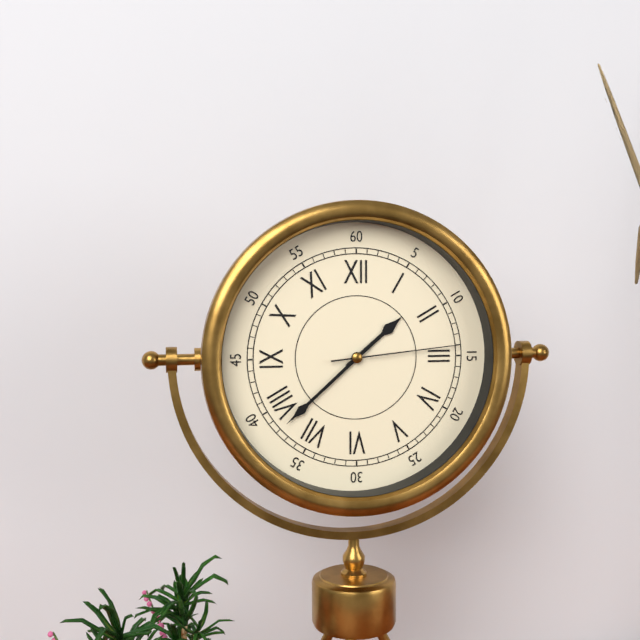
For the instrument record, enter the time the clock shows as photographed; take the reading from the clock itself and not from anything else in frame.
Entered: 1:38:14
